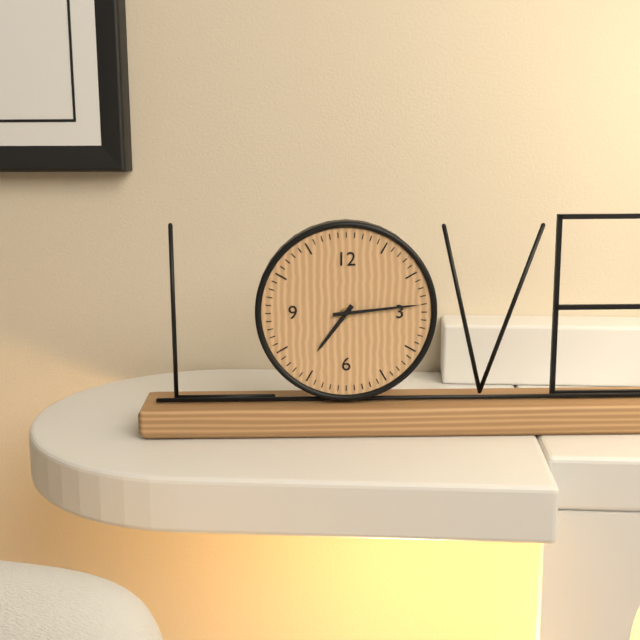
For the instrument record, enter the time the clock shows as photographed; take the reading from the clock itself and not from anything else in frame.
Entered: 7:14
